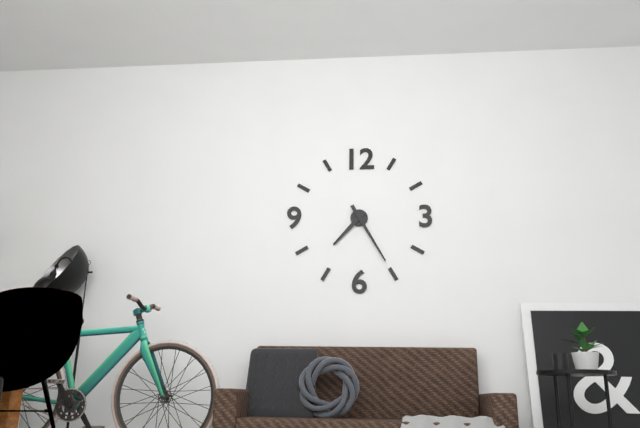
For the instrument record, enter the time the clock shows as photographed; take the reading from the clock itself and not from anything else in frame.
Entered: 7:25
